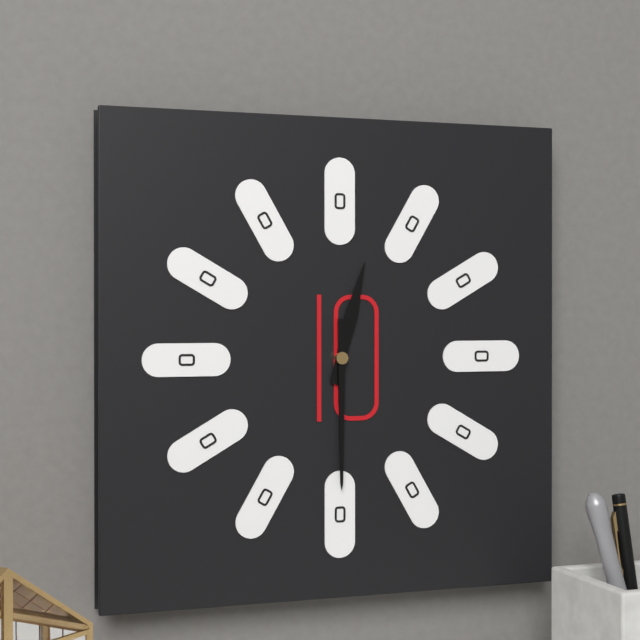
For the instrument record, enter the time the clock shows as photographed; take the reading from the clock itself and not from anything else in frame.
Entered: 12:30
